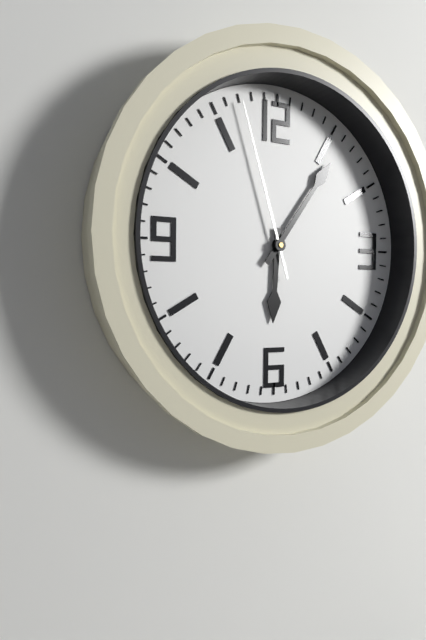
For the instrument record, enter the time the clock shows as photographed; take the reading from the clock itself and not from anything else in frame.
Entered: 6:06:57
